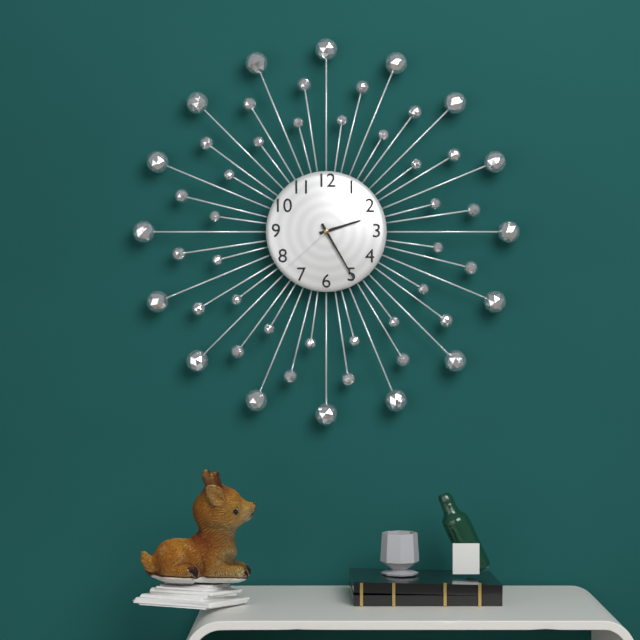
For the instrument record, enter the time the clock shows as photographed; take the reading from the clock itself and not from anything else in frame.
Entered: 2:25:38
